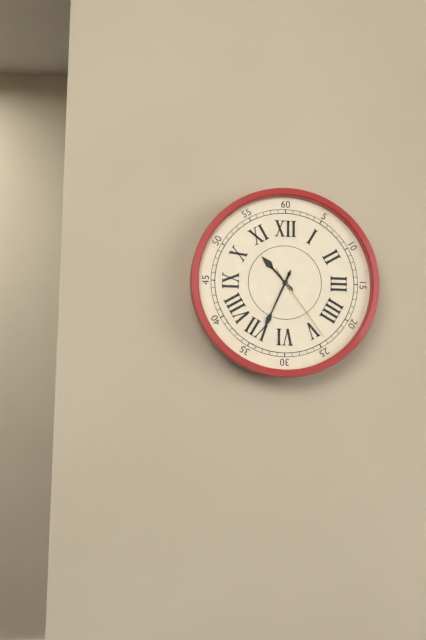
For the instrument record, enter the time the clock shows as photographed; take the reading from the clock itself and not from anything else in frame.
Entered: 10:34:24
